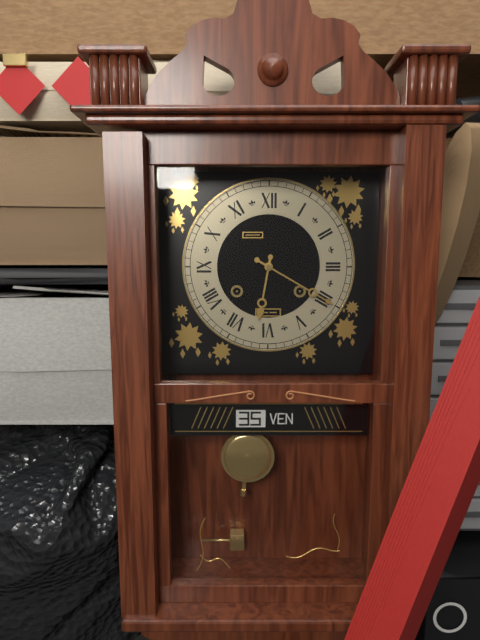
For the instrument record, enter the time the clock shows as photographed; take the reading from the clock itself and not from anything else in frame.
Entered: 6:20
